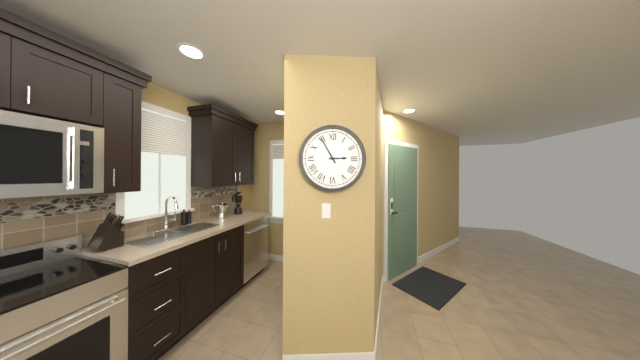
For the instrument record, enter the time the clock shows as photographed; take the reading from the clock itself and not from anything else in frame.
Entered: 2:55
